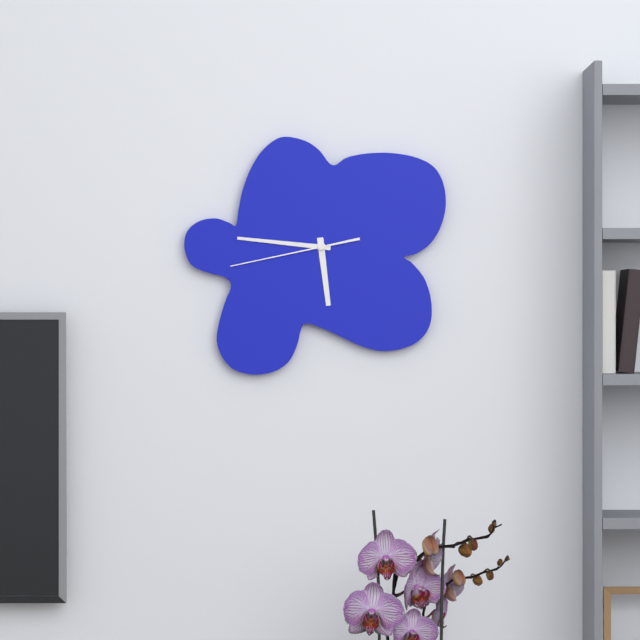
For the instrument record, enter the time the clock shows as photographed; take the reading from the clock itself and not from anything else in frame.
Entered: 5:46:43
